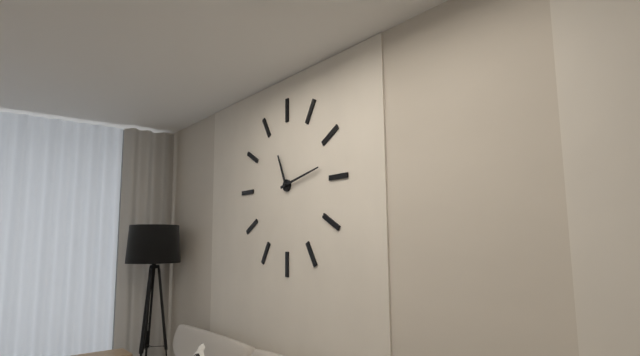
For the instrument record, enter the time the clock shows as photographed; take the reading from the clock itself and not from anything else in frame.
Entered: 11:13
